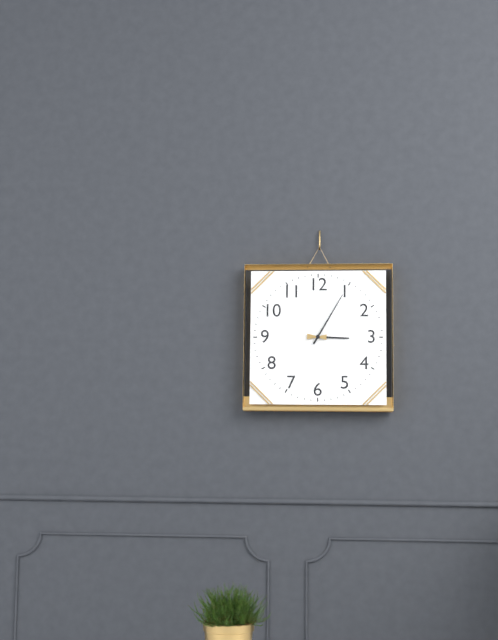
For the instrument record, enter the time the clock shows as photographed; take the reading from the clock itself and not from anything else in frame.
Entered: 3:05
